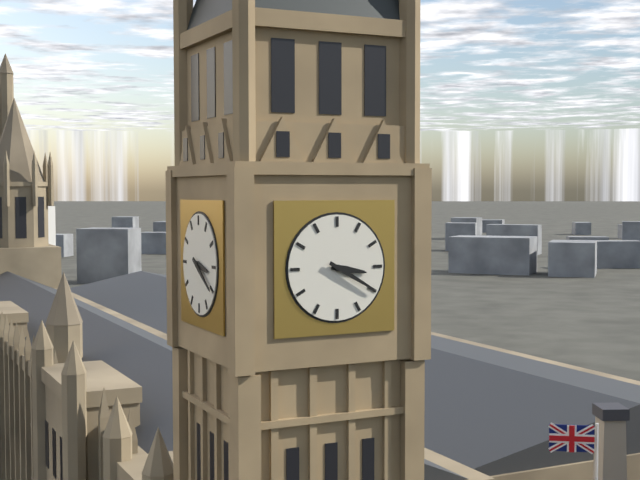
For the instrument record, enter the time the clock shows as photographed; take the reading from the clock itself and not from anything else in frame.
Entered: 3:20
